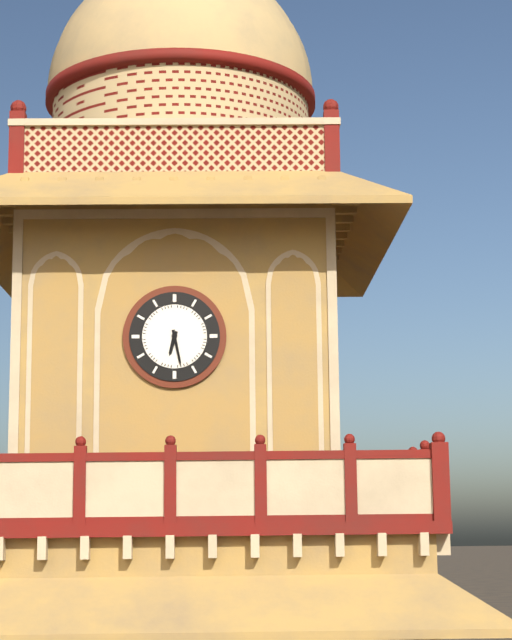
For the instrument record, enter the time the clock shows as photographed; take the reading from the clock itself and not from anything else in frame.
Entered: 6:28
